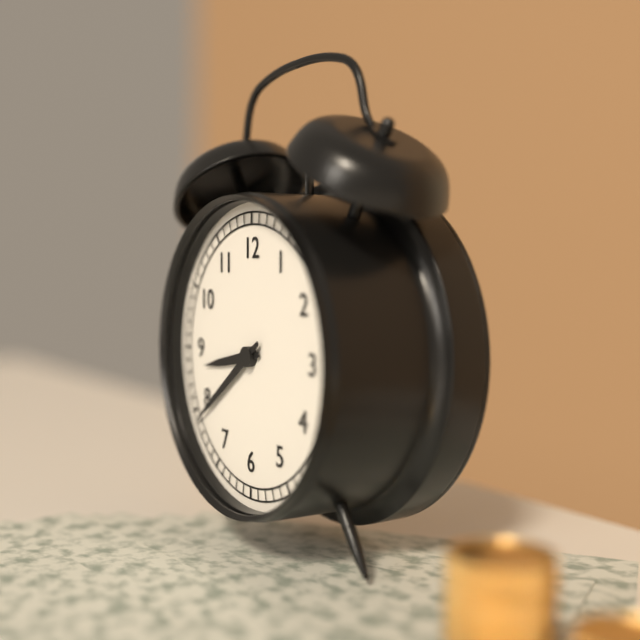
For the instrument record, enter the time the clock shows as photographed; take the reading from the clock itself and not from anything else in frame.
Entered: 8:39
